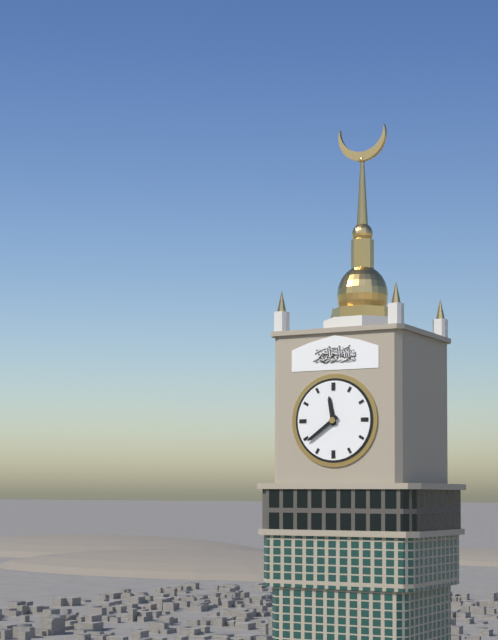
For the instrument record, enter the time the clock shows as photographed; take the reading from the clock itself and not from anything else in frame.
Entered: 11:39
